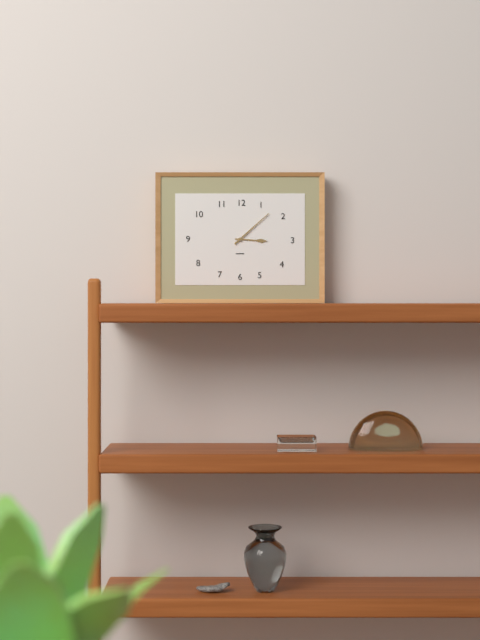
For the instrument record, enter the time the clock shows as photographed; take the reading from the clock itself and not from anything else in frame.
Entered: 3:08
